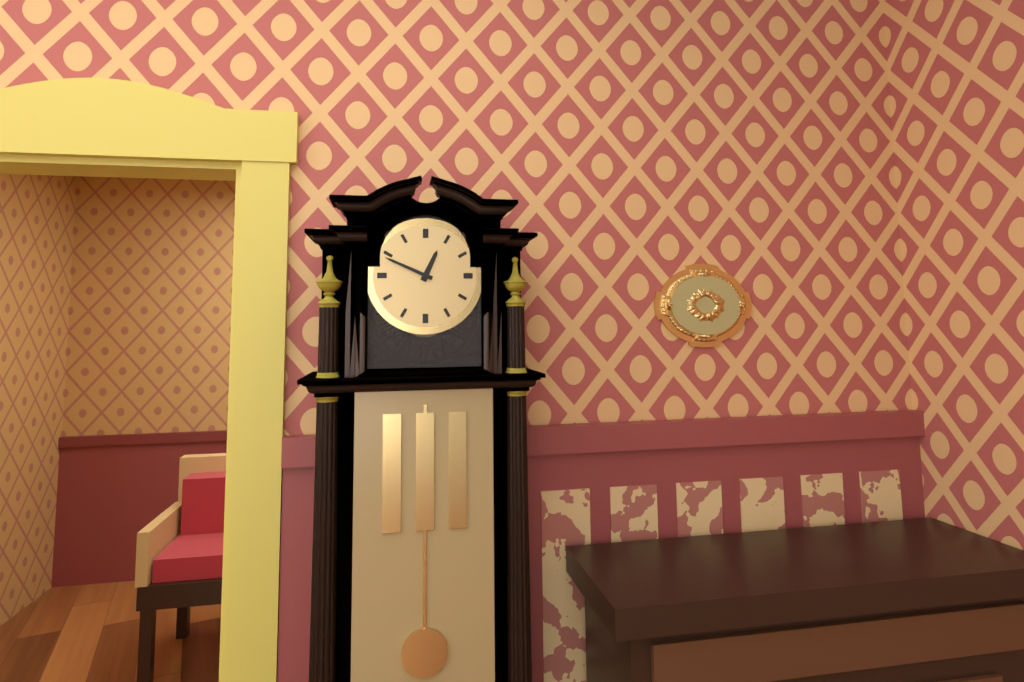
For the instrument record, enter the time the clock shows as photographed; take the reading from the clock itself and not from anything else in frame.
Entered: 12:49
